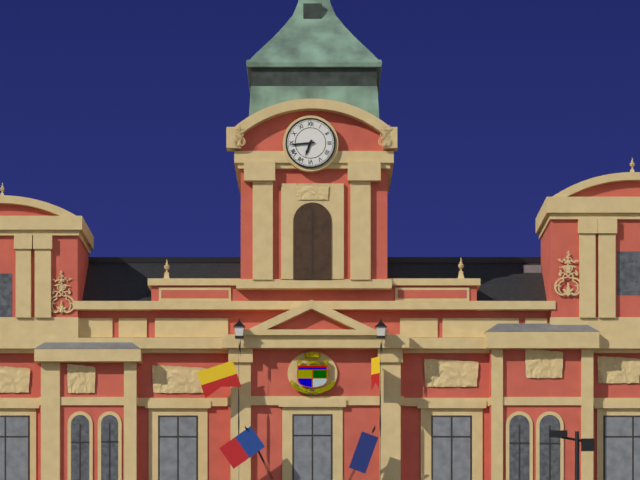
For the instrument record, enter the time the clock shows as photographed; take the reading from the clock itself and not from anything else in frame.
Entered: 6:44
